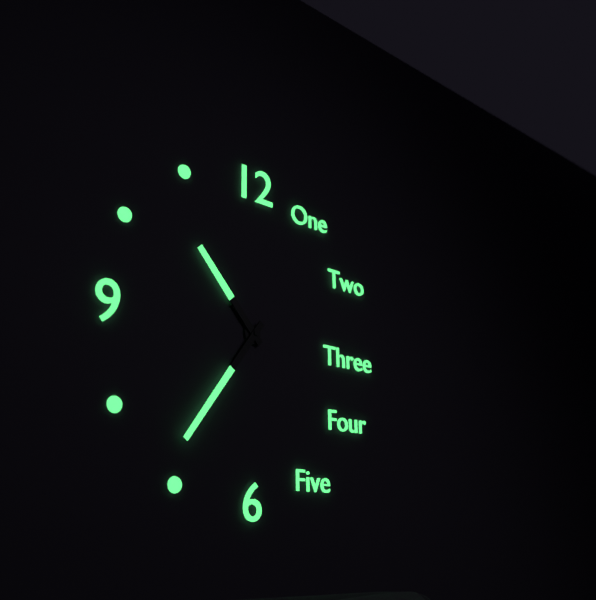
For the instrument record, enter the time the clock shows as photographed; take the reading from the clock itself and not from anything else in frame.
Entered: 10:36
